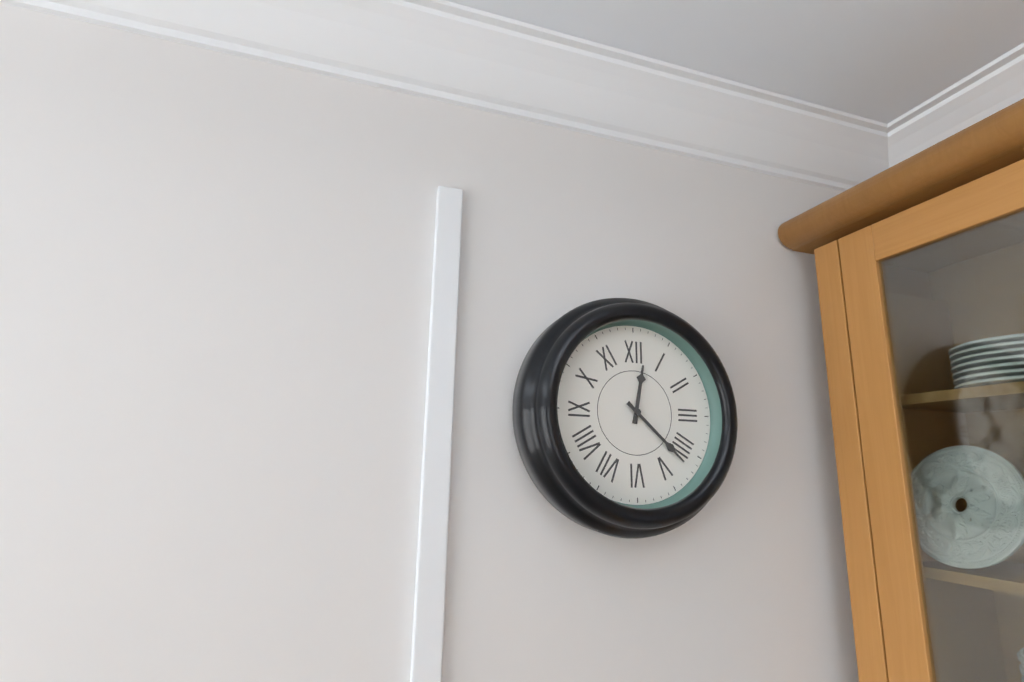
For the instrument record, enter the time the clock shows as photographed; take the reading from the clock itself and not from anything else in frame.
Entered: 12:22
